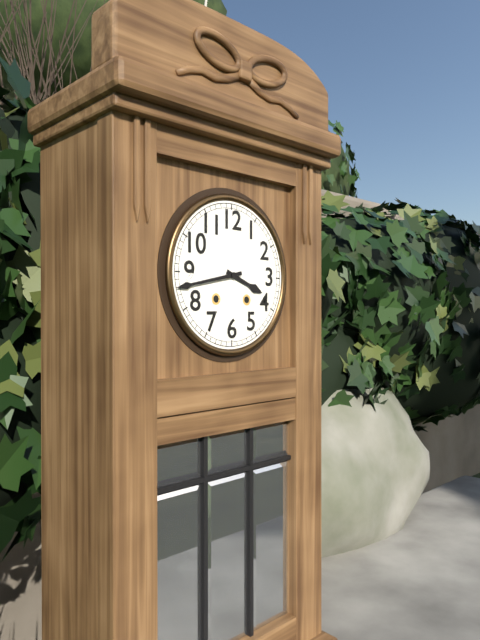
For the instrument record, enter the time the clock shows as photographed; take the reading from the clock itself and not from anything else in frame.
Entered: 3:43
